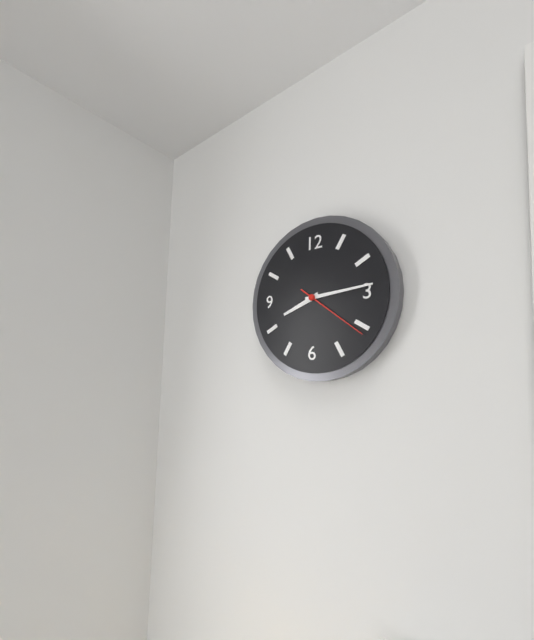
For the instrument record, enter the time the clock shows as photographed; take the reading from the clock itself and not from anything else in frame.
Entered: 8:14:21
